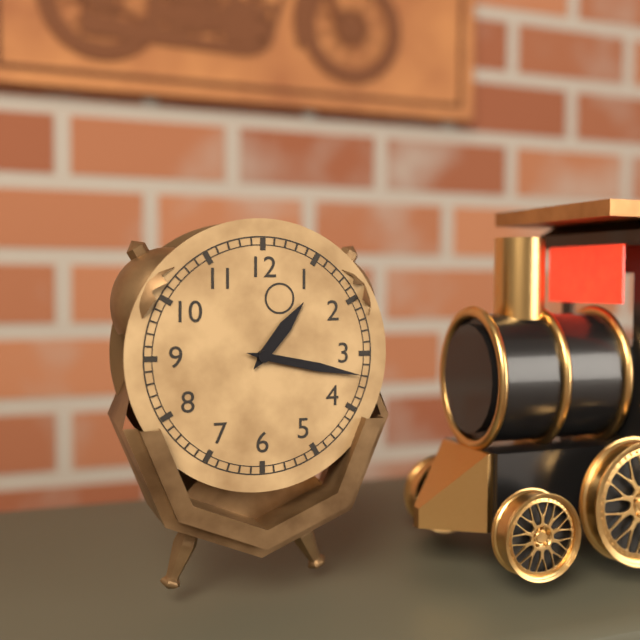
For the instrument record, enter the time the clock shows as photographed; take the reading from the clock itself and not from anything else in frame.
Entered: 1:17
